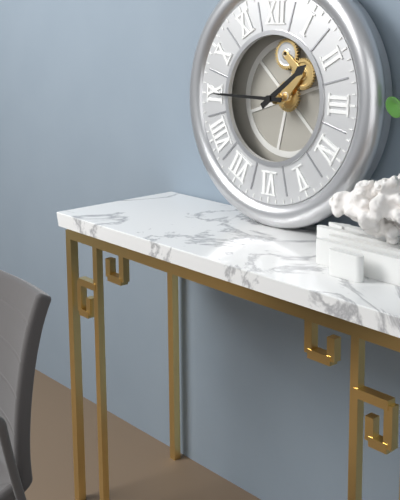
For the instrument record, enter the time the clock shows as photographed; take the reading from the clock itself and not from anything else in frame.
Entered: 1:45
